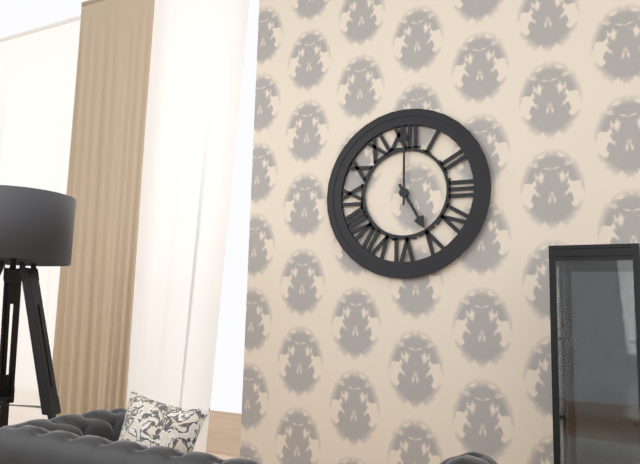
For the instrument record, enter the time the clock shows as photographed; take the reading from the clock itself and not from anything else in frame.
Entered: 5:00
